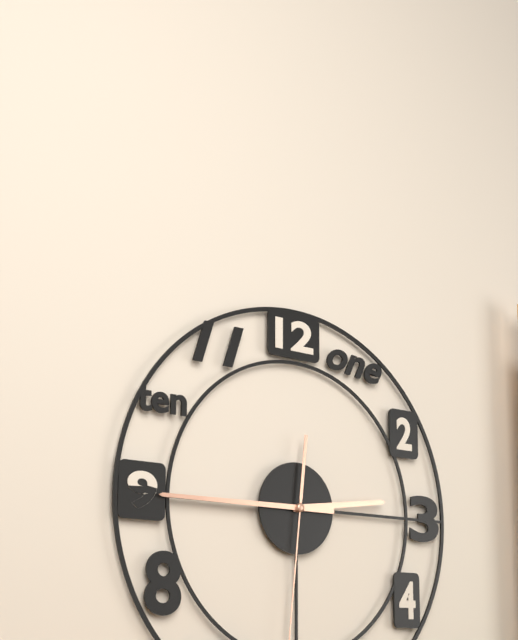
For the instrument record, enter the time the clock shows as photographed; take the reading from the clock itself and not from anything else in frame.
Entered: 2:45
